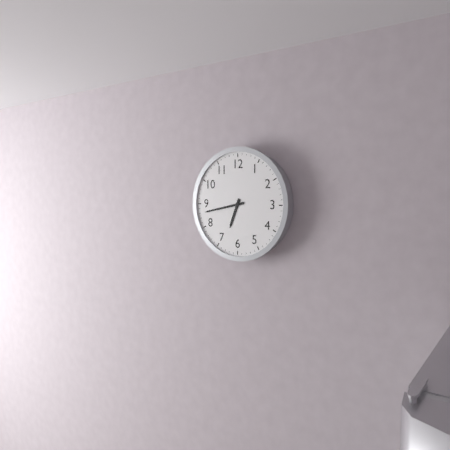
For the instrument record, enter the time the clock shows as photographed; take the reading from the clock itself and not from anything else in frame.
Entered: 6:43
